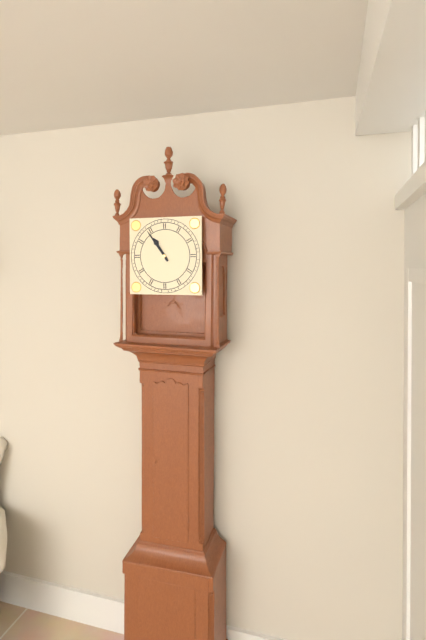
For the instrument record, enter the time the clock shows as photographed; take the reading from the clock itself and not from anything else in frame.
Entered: 10:54
